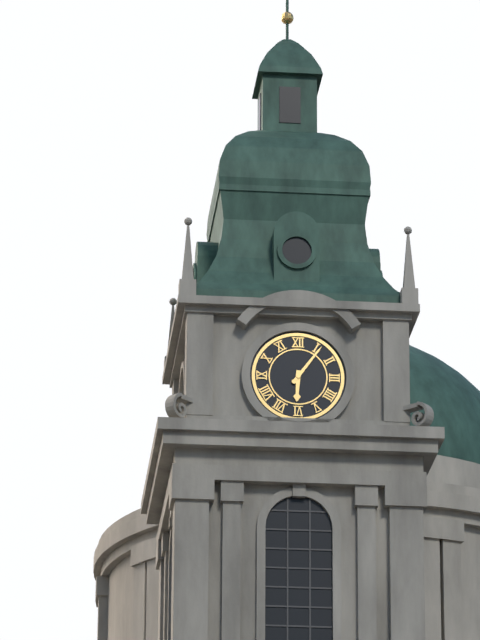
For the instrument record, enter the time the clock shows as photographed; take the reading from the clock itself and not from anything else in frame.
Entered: 6:06
